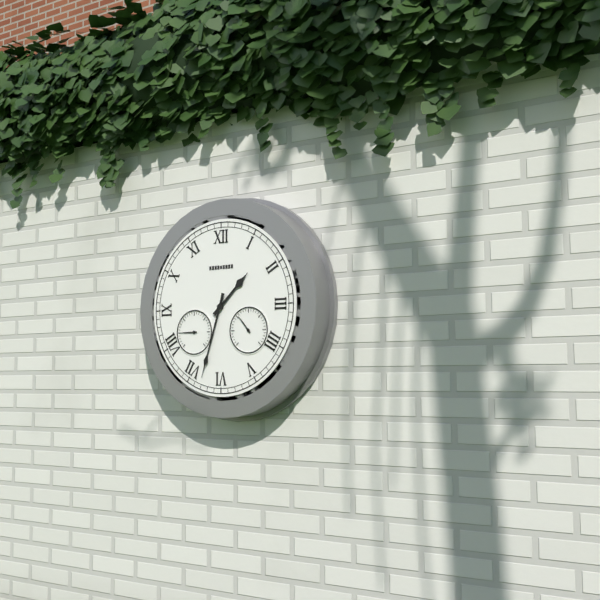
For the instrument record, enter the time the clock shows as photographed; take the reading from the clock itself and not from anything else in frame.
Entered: 1:33
